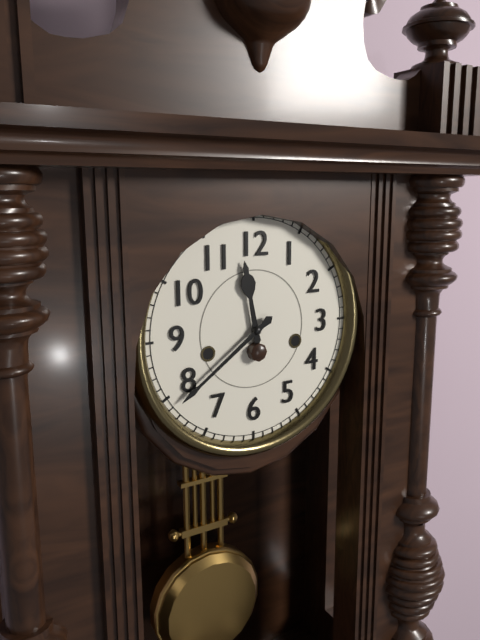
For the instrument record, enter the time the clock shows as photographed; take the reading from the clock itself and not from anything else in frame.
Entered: 11:39
